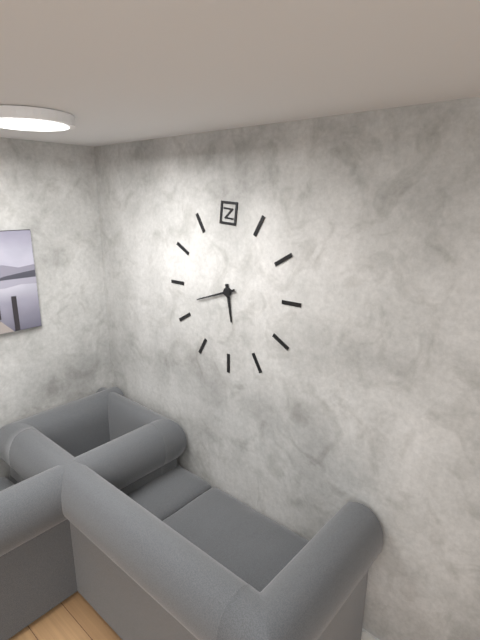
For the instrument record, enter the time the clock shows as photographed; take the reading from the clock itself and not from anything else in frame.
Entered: 5:42
